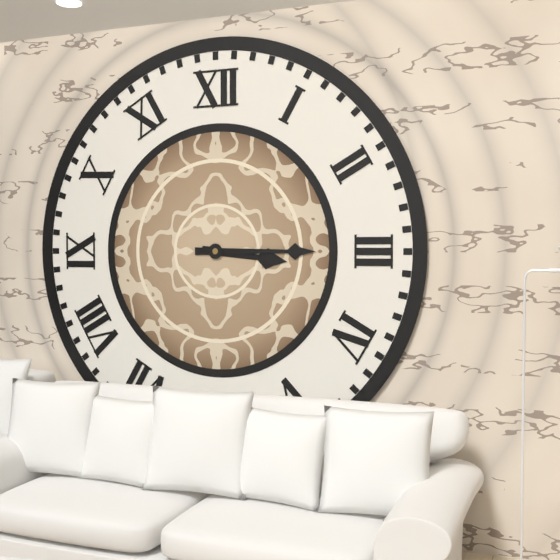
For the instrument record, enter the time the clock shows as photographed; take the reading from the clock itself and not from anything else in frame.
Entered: 3:15
